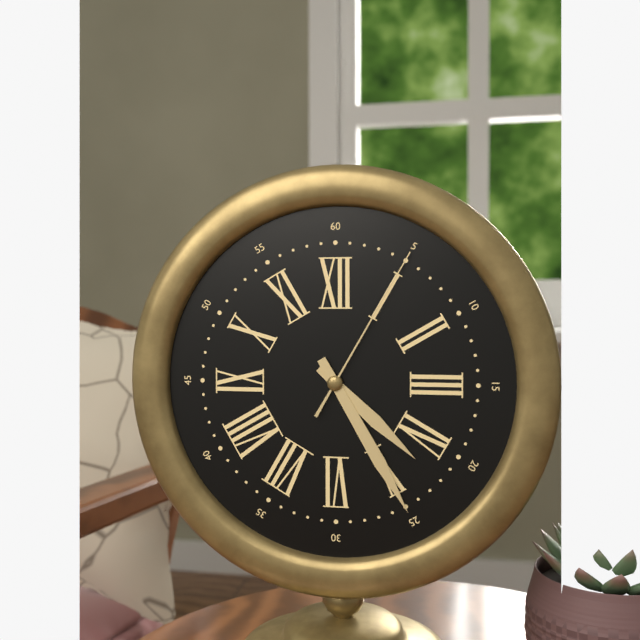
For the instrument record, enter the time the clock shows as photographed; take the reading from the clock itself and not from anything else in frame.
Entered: 4:25:05
